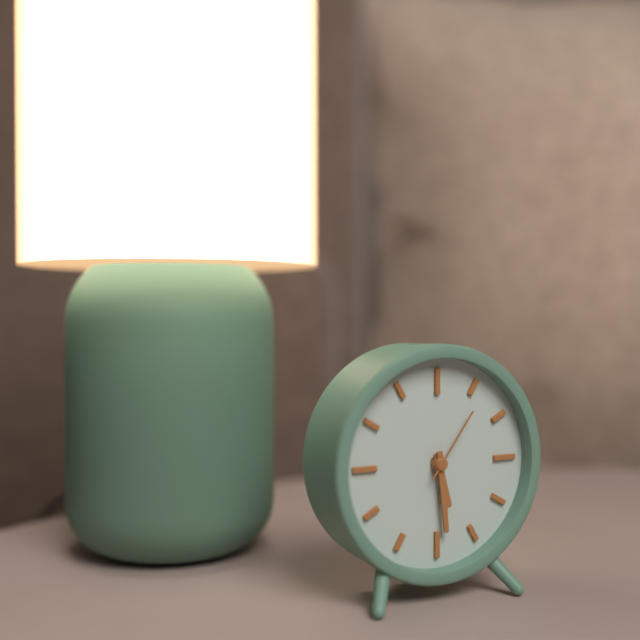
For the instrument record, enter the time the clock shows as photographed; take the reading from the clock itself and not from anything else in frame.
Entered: 5:29:06
